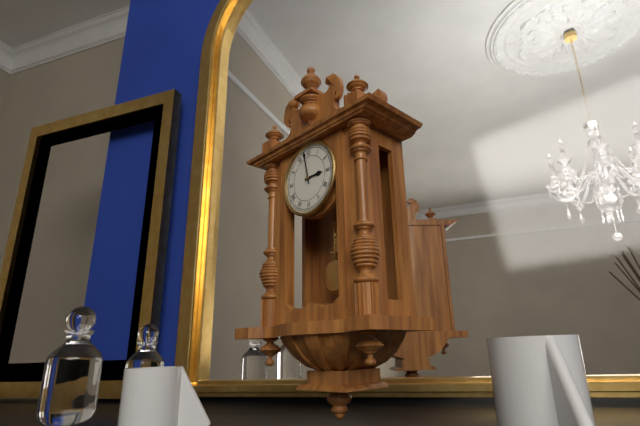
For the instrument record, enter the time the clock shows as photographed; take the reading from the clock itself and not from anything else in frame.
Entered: 2:58
